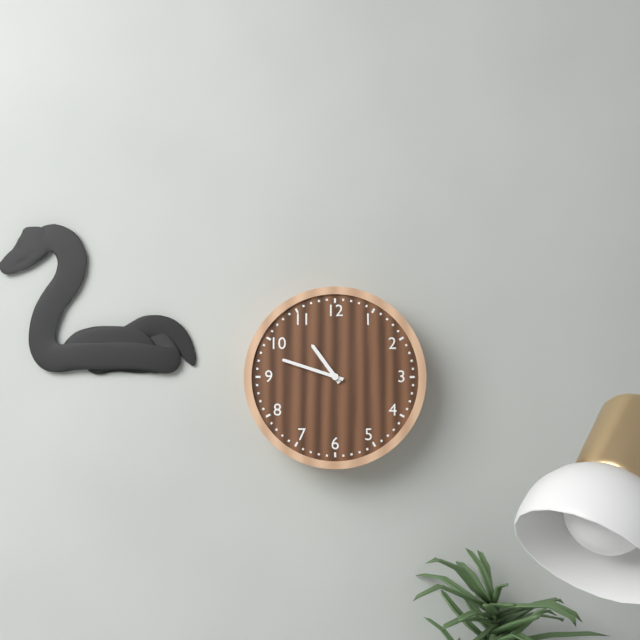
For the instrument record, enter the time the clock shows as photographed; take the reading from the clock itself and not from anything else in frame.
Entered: 10:48
